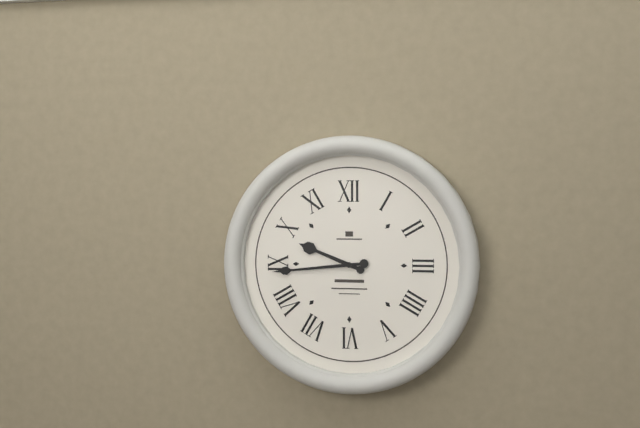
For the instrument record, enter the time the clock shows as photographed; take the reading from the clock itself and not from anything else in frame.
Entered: 9:44
